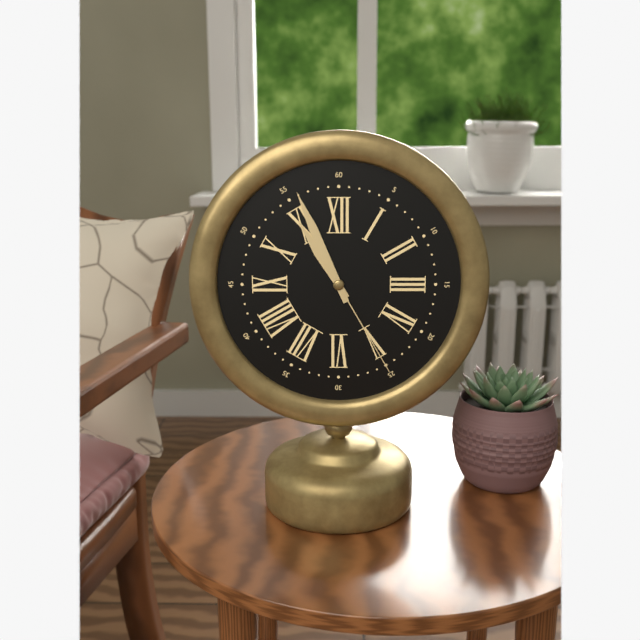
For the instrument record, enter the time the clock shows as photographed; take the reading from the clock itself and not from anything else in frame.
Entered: 10:56:25
